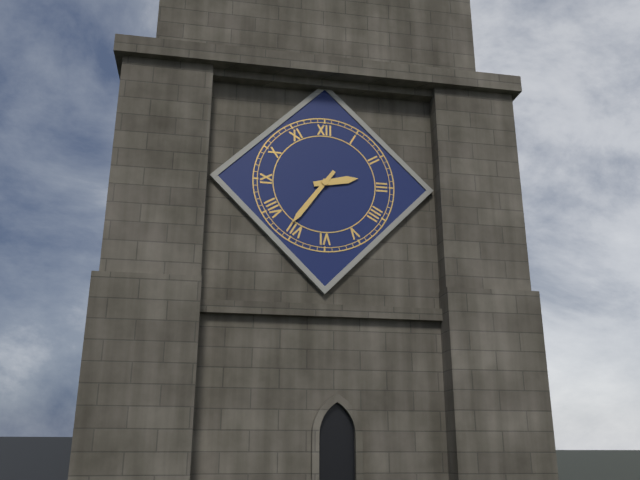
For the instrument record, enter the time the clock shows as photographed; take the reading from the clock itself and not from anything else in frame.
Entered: 2:36
